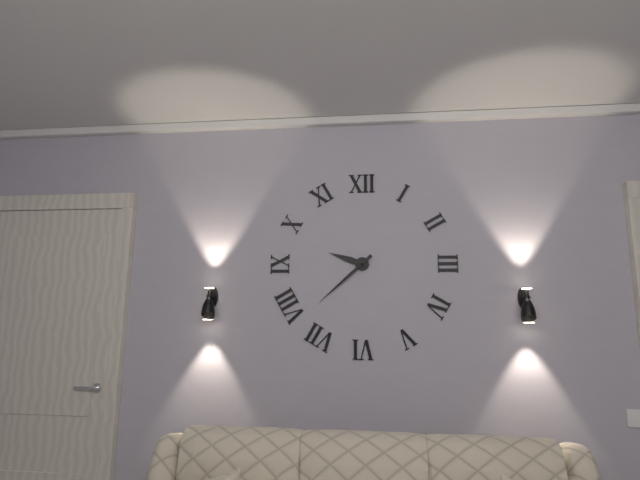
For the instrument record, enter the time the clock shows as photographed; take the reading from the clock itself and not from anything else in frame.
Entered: 9:38
